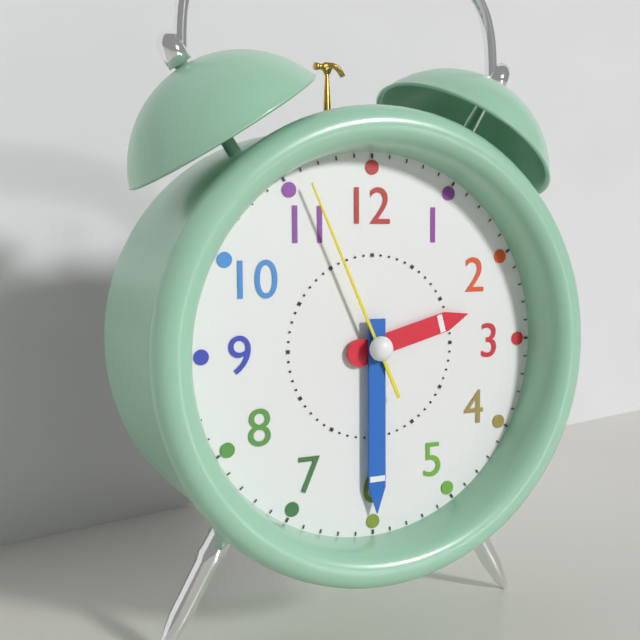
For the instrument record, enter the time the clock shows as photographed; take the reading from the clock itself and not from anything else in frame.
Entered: 2:30:56
